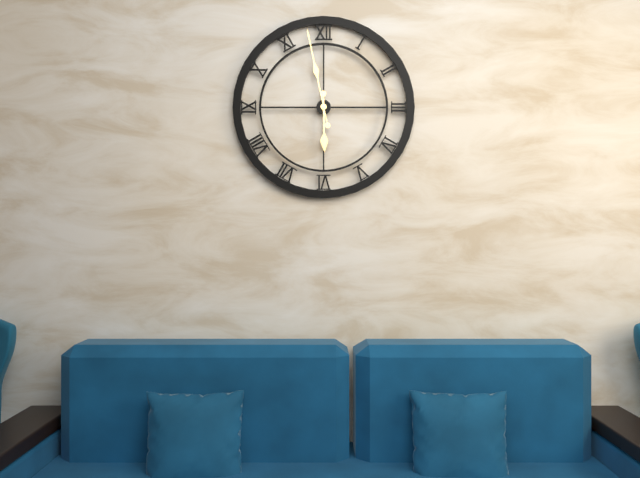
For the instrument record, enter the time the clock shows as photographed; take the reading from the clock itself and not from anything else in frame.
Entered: 5:58
